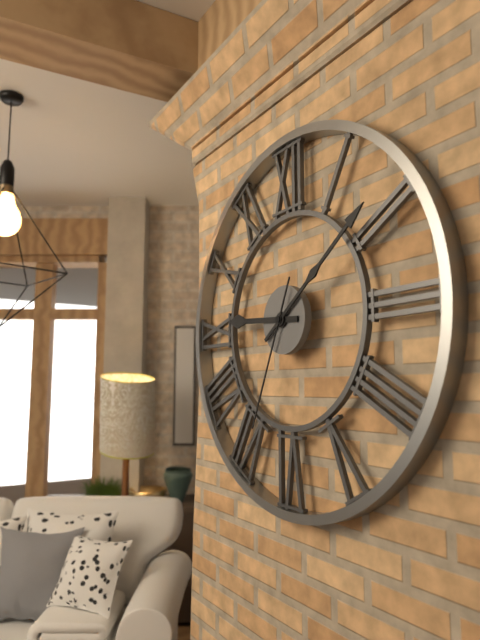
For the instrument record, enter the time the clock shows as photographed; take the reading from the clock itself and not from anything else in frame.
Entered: 9:09:34
